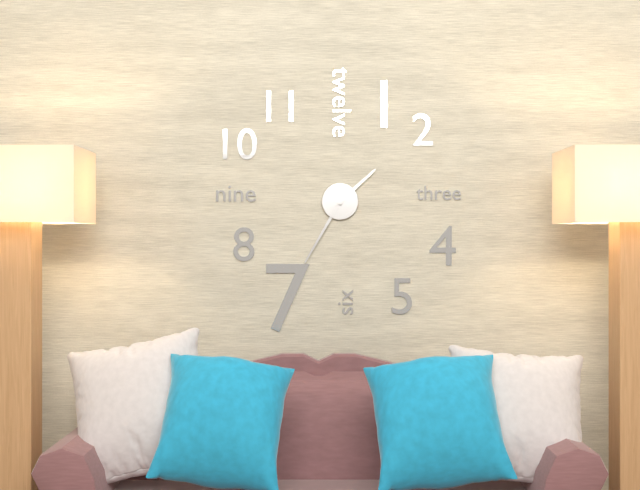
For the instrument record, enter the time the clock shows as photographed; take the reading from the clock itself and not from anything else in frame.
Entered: 1:35
